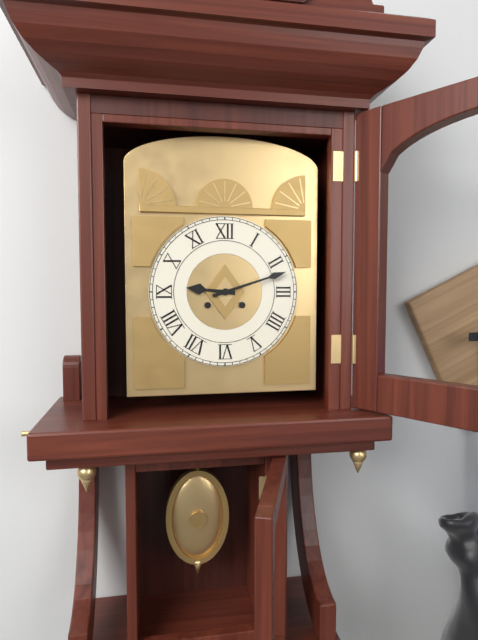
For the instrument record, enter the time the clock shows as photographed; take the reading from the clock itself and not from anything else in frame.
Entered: 9:12
